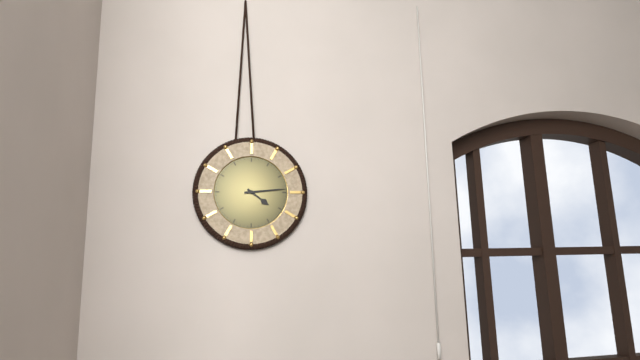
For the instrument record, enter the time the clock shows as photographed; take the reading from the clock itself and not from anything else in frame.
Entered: 4:14
